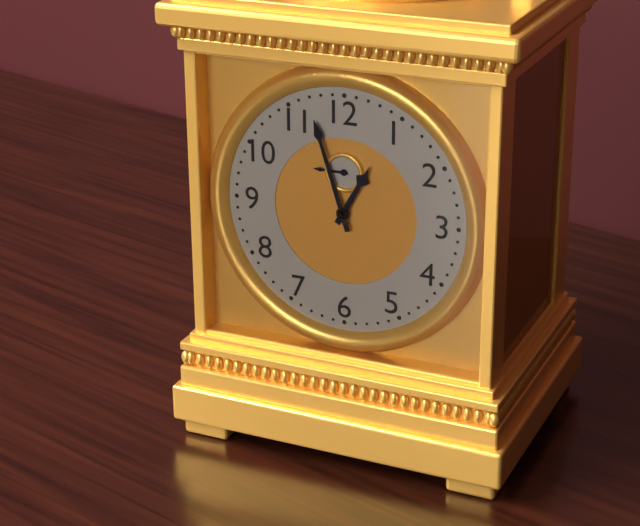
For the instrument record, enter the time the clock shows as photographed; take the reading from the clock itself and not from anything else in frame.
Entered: 12:57
